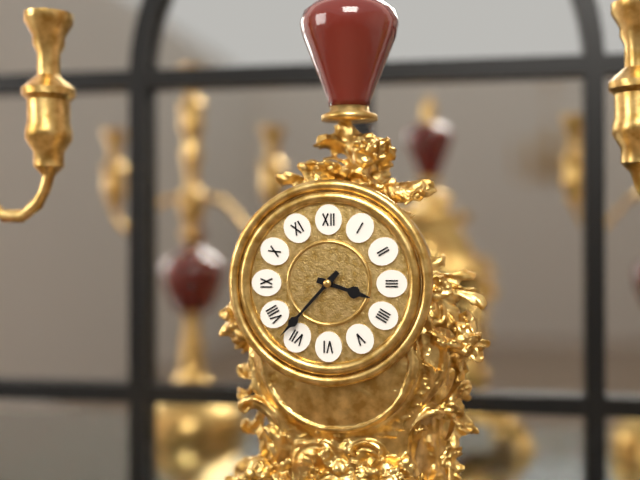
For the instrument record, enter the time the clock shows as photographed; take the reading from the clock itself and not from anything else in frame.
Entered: 3:37
